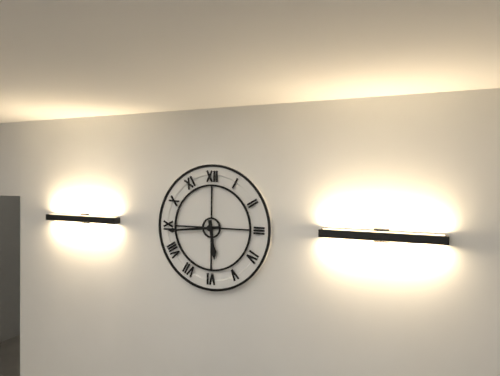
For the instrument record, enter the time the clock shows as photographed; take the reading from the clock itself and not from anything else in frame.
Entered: 5:44
